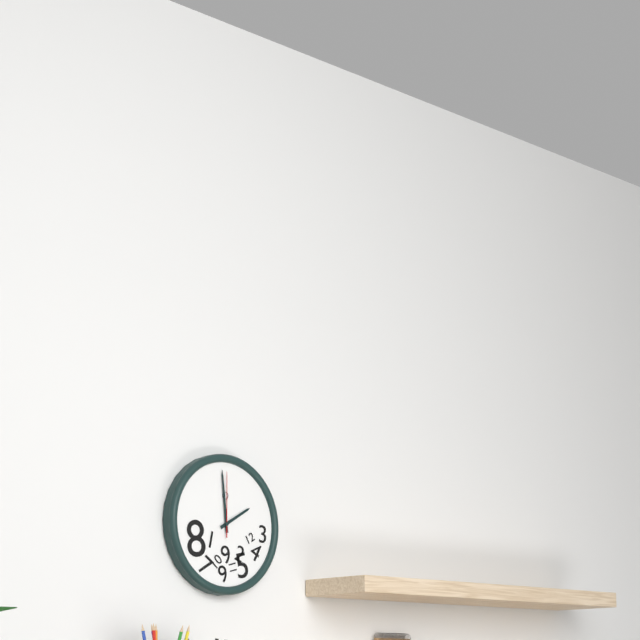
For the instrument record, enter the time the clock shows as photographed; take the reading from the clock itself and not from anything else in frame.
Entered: 1:59:00
